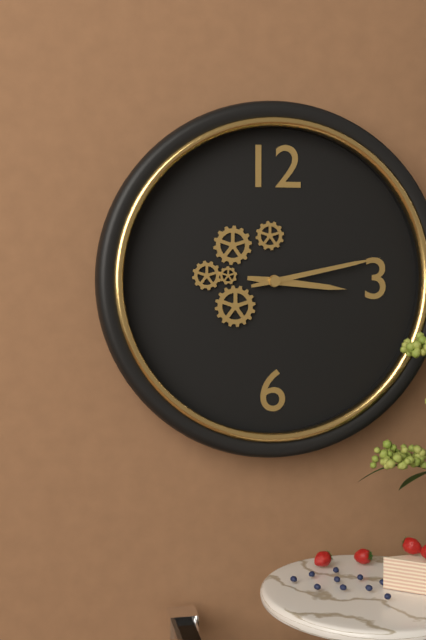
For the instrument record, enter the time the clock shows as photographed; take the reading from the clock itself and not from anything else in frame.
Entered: 3:13
